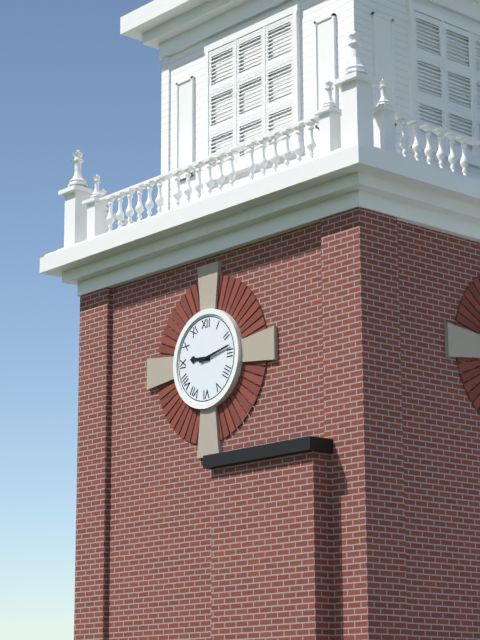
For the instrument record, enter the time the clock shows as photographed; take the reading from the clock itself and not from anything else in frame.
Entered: 9:13
